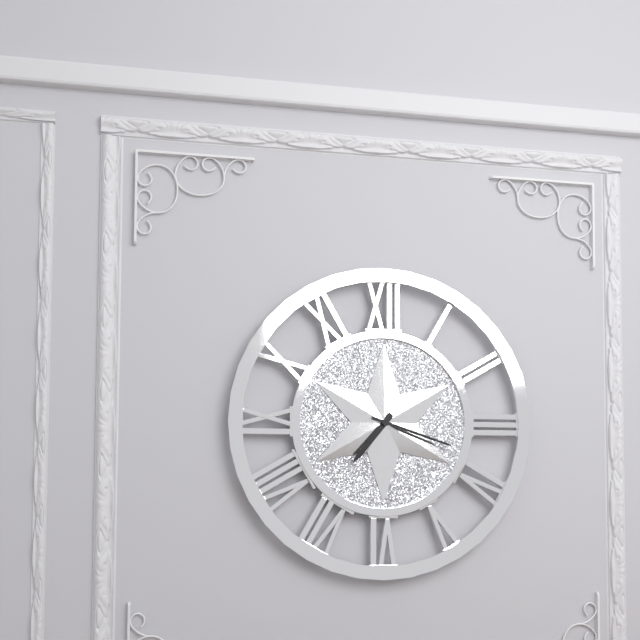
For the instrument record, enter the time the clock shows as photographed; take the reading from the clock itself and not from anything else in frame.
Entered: 7:18
